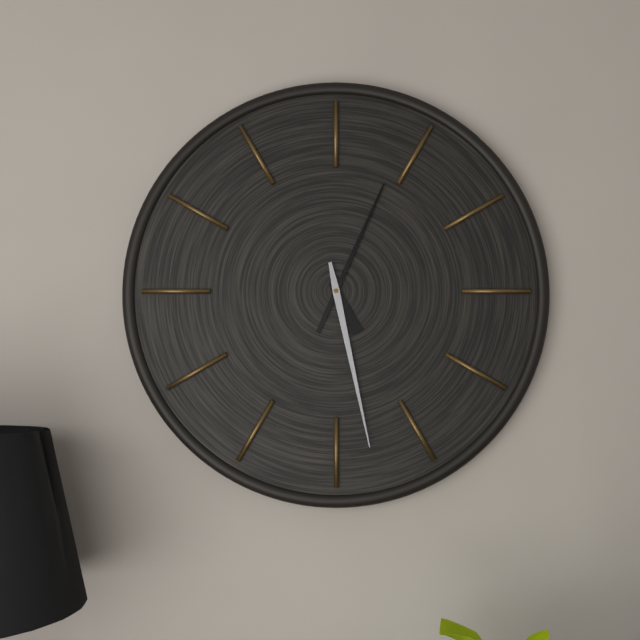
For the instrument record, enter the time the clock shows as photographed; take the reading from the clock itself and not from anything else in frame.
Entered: 5:04:28
